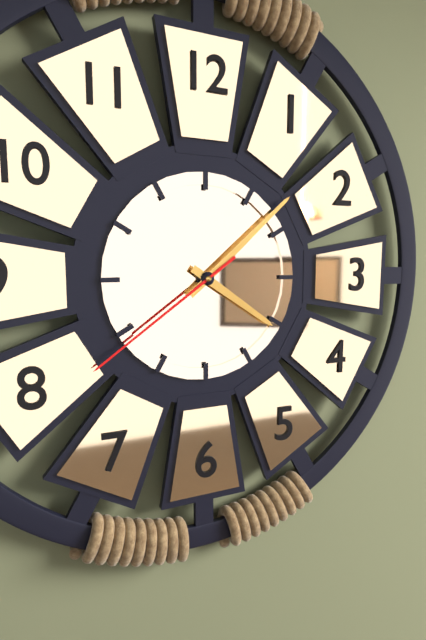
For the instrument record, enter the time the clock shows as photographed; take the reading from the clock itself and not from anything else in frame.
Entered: 4:08:39
